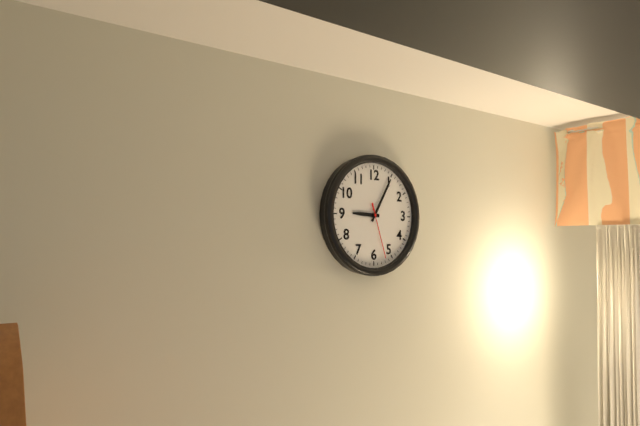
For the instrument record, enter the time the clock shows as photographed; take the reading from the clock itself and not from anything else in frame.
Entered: 9:05:27
